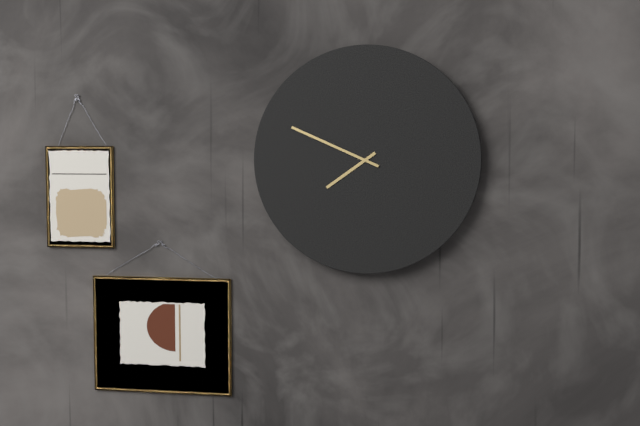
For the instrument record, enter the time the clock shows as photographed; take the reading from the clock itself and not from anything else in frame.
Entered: 7:49
